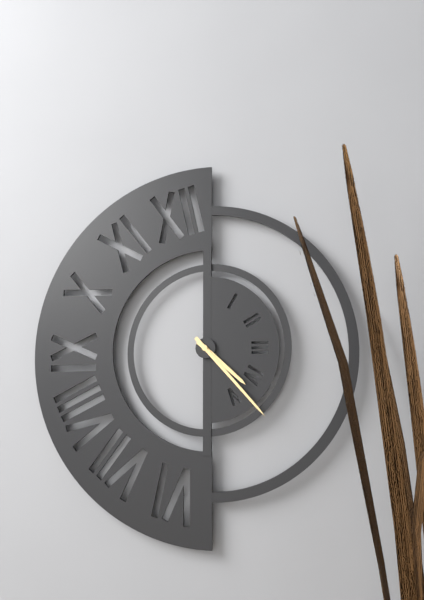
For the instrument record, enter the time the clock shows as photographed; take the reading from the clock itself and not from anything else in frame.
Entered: 4:23
